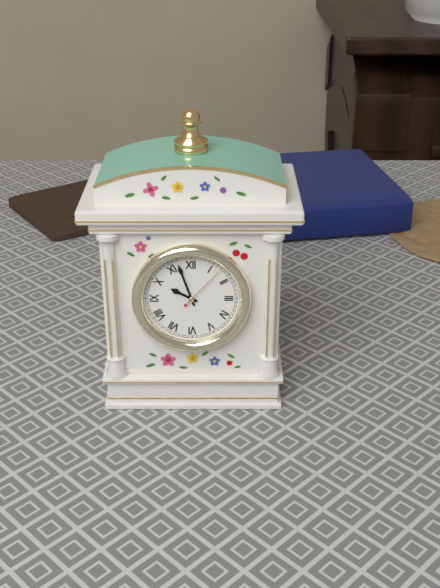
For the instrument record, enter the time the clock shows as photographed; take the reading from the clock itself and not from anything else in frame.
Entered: 9:57:07
